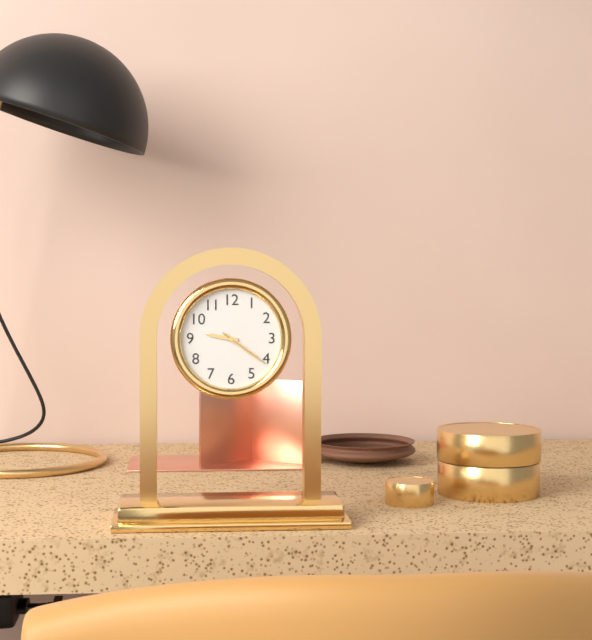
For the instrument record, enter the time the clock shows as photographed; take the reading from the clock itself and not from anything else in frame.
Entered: 9:21:21
